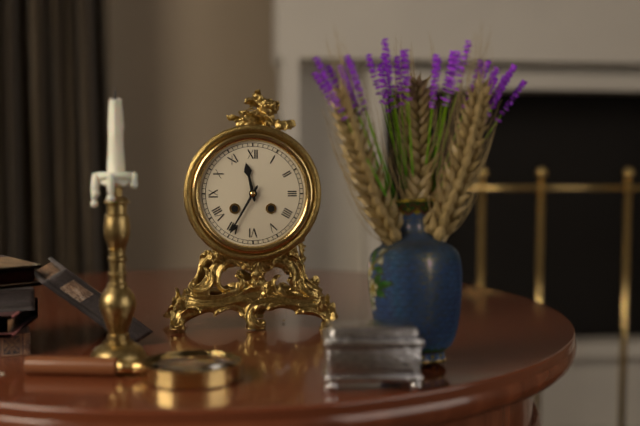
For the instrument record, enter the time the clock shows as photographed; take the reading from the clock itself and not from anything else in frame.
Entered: 11:35
